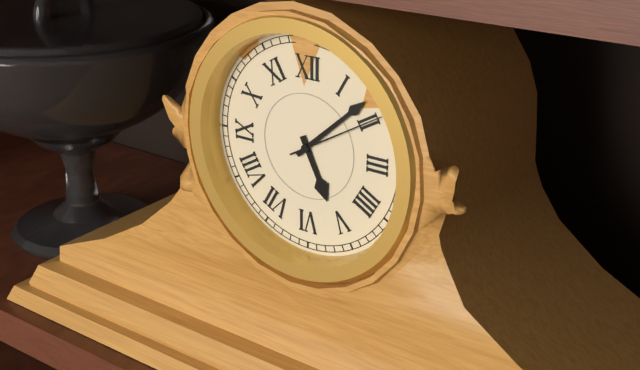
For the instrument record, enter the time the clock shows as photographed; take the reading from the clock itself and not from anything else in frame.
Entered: 5:08:10
